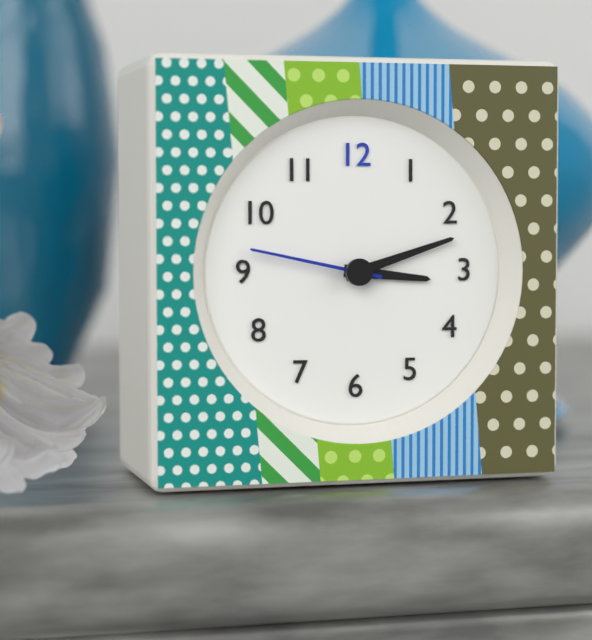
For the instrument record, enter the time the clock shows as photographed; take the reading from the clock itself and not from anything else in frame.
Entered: 3:12:47
